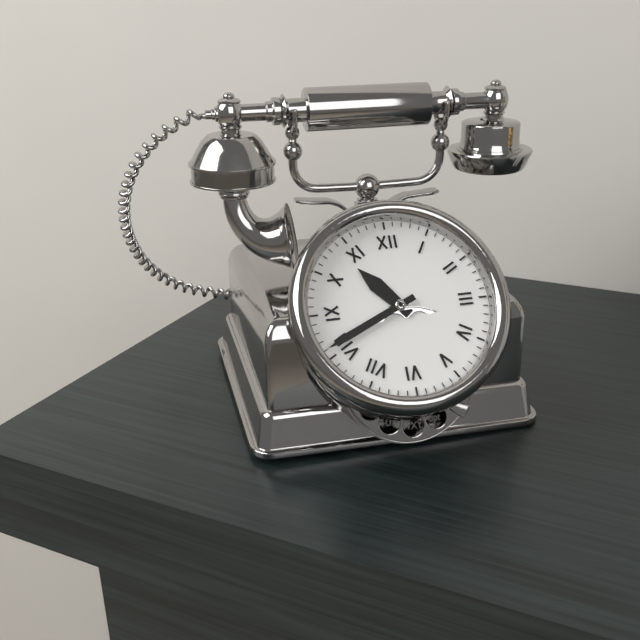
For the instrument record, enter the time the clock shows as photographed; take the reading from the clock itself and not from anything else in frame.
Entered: 10:41
